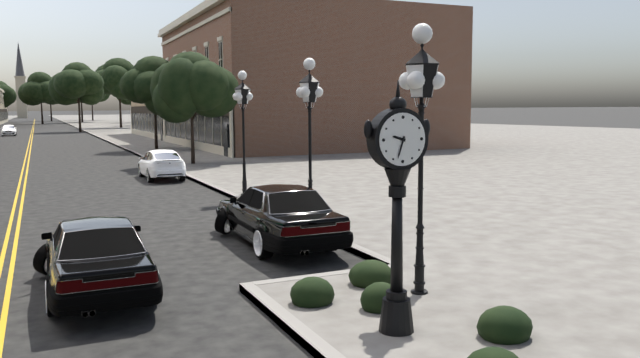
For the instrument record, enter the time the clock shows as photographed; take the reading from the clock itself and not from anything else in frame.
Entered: 9:33
